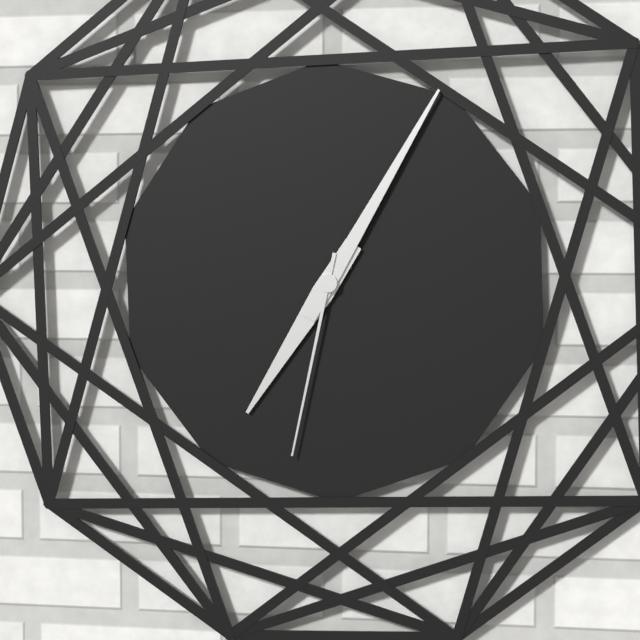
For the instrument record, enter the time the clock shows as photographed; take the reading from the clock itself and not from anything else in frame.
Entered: 7:05:32
